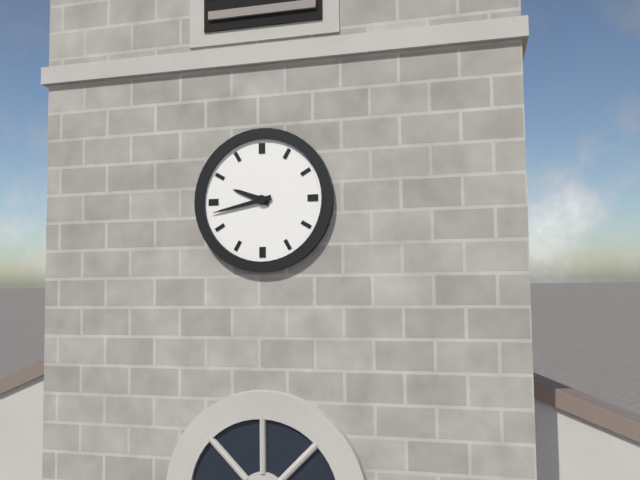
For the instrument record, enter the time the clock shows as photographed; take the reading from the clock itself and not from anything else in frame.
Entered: 9:43
